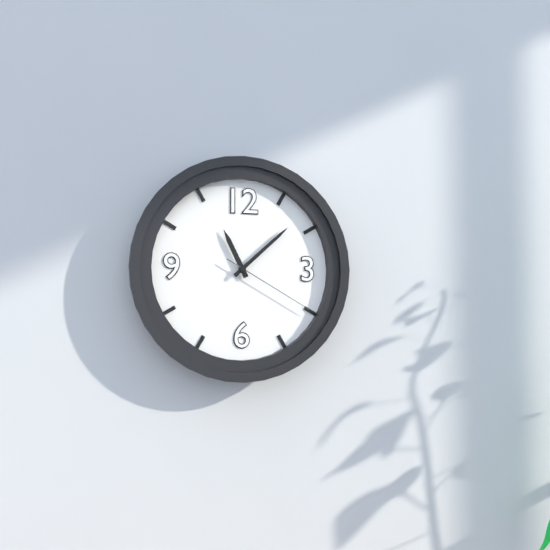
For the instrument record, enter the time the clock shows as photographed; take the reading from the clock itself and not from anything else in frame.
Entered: 11:08:20
